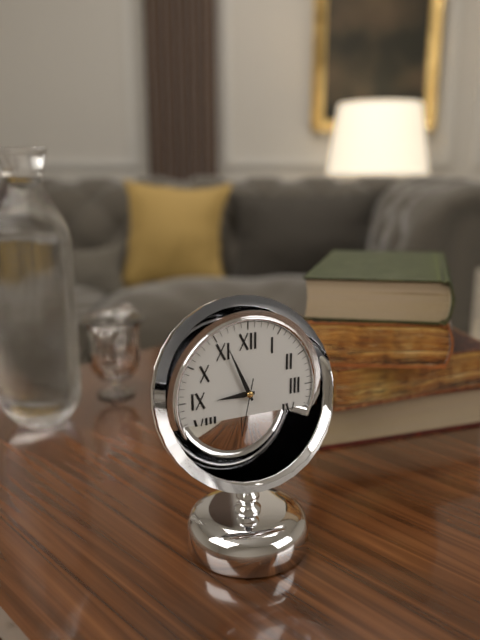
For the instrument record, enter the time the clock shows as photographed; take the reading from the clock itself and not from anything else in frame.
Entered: 8:56
